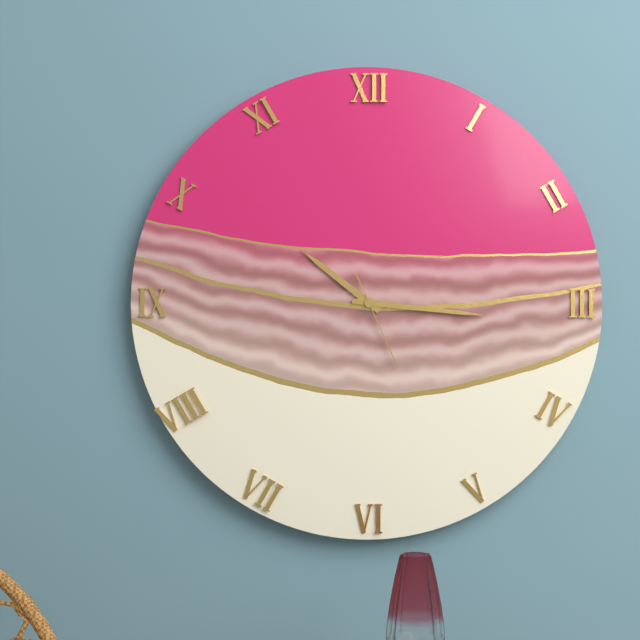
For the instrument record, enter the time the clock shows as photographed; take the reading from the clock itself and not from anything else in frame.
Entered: 10:16:26
